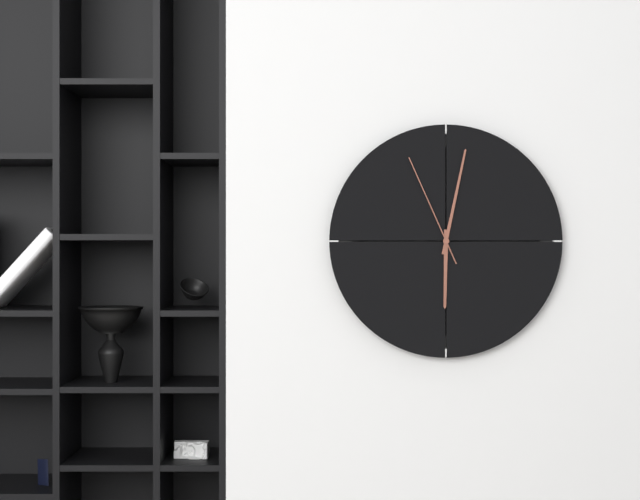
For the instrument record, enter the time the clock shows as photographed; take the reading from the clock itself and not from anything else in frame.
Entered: 6:02:56
